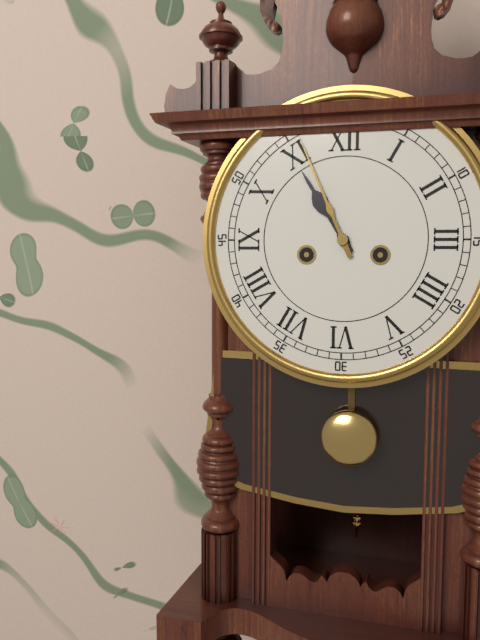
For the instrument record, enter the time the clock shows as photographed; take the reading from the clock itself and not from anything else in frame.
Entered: 10:56
